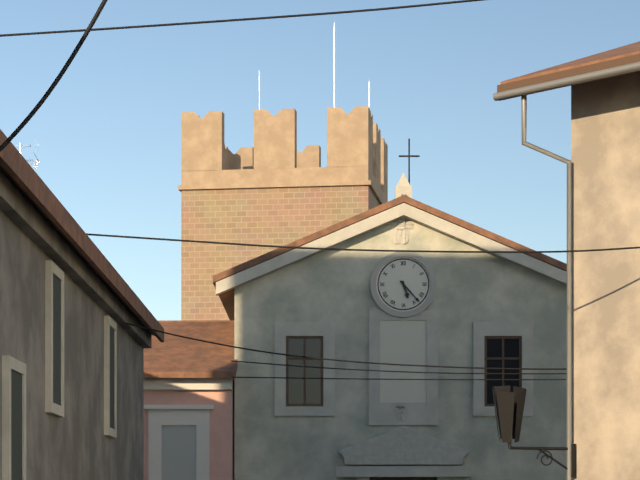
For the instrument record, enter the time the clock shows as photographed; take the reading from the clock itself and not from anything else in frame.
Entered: 5:23
